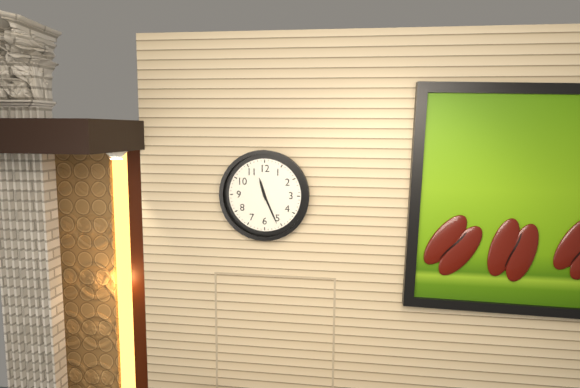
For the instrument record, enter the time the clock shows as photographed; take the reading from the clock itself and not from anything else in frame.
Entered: 11:26
